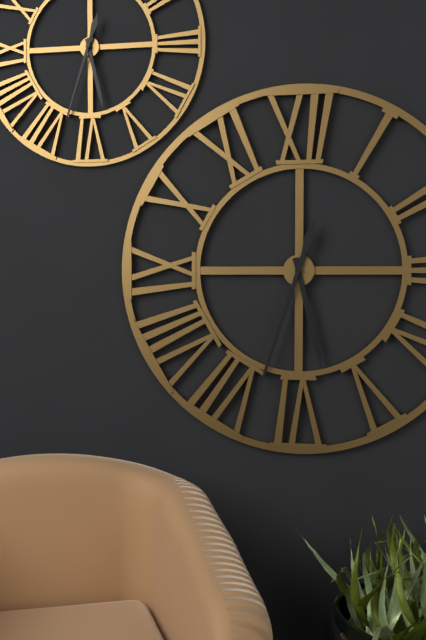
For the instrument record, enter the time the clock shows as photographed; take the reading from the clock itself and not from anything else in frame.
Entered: 5:33
